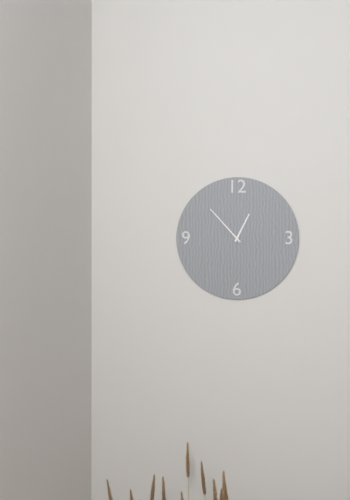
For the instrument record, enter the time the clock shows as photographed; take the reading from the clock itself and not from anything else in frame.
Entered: 12:53
